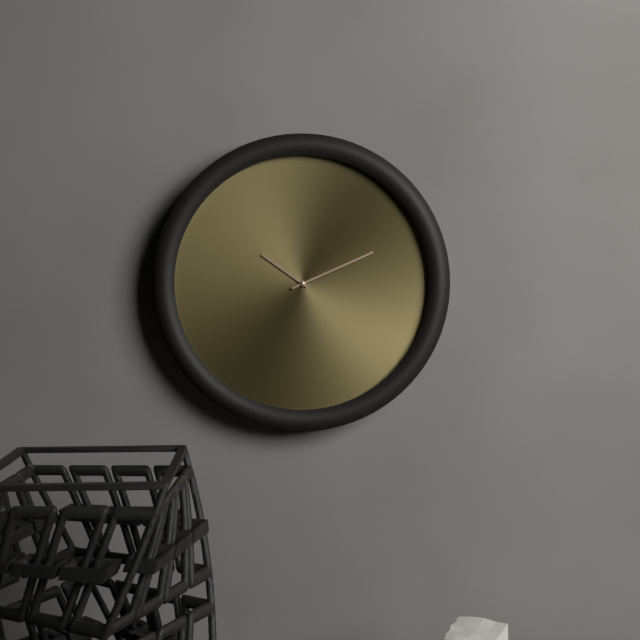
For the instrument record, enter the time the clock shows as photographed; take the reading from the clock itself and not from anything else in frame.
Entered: 10:11
